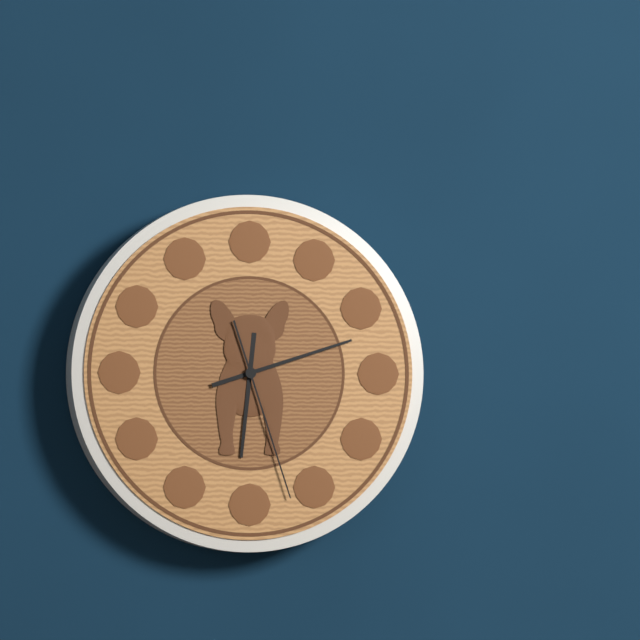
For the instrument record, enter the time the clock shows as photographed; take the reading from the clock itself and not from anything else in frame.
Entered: 6:12:27
